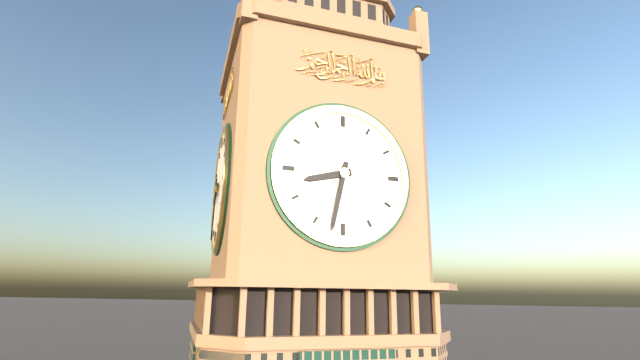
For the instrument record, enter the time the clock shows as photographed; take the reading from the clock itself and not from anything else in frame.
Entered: 8:32
